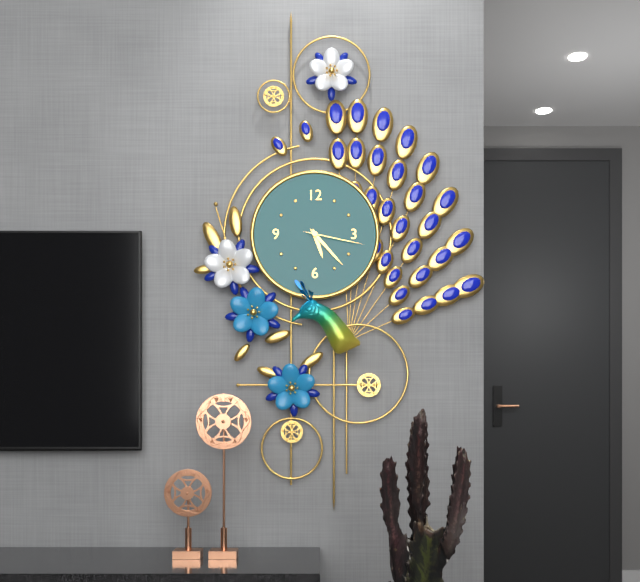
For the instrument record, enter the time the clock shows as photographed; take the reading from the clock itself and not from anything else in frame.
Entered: 5:23:17
